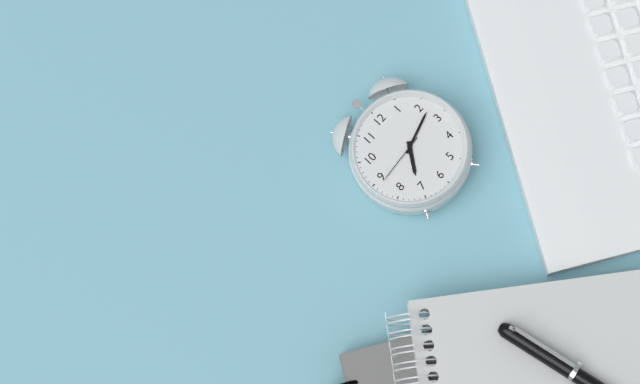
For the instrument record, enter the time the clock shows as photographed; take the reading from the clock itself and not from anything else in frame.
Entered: 7:12:44
